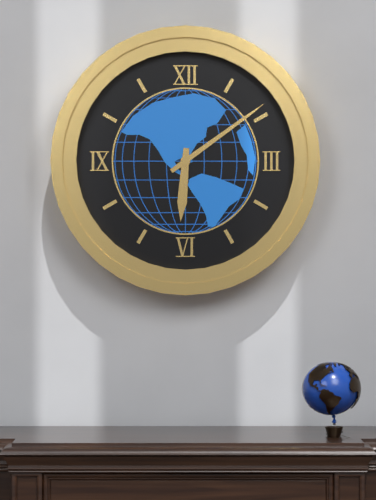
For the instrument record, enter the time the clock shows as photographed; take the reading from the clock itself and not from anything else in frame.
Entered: 6:09
